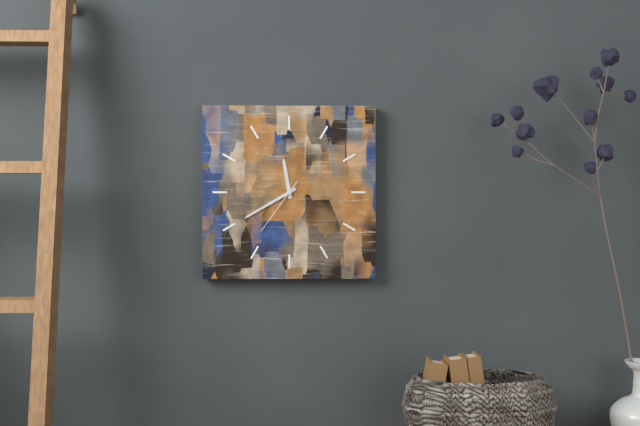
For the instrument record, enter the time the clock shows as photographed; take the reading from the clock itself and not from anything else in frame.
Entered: 11:40:36
